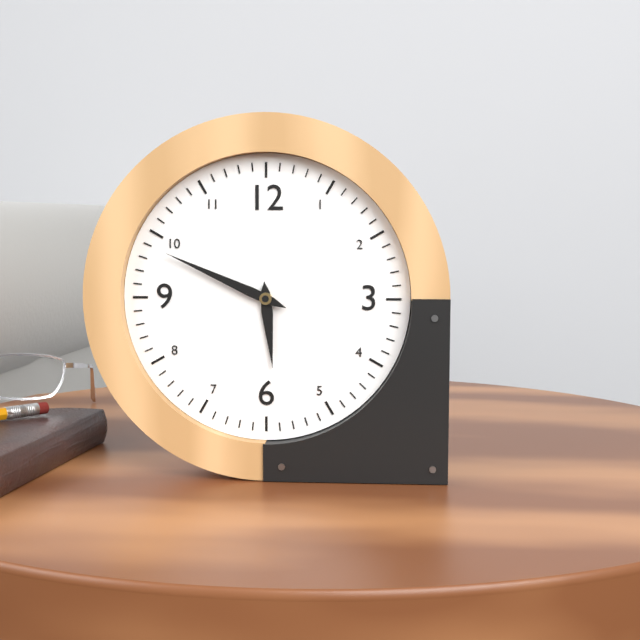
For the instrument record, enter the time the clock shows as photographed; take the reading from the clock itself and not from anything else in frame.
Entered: 5:49
